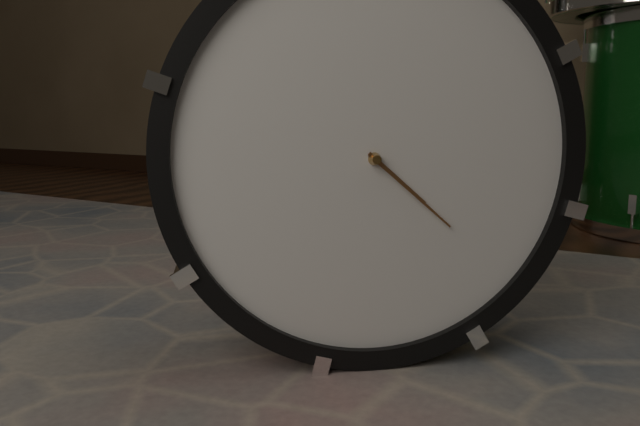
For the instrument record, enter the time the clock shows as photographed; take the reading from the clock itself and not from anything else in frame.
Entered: 4:22
